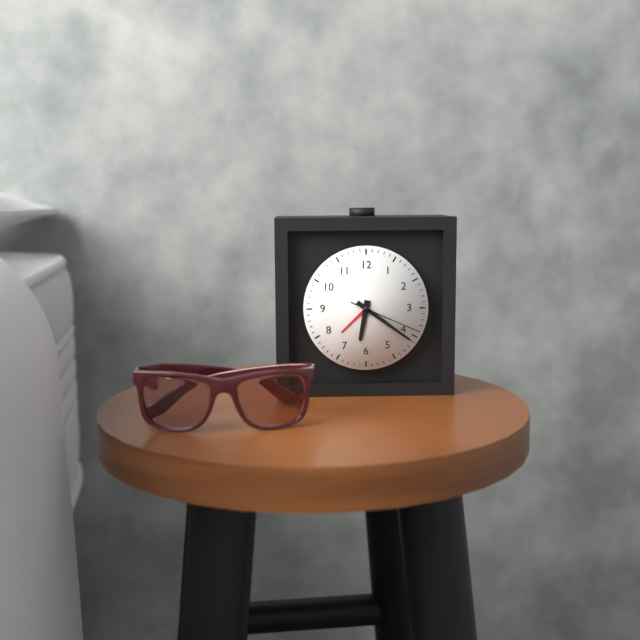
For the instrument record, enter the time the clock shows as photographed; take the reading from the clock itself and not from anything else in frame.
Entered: 6:21:19
